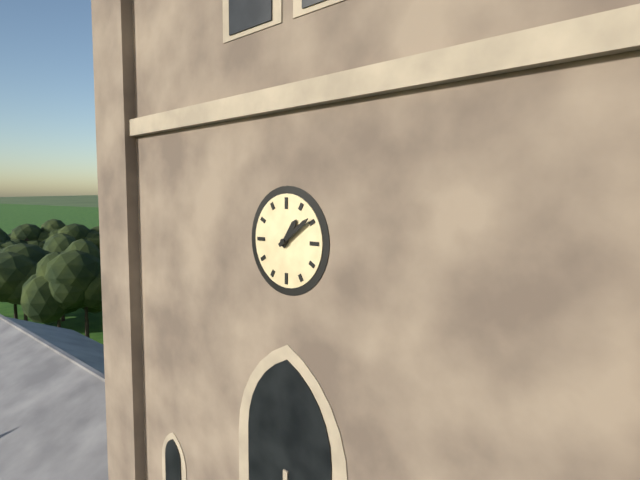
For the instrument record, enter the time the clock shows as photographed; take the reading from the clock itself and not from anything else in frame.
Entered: 1:09
